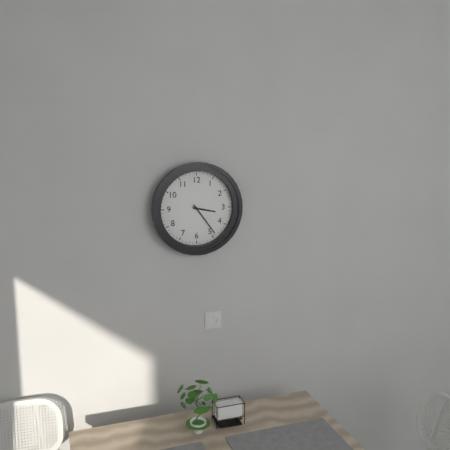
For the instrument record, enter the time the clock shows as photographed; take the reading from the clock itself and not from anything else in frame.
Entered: 3:24
